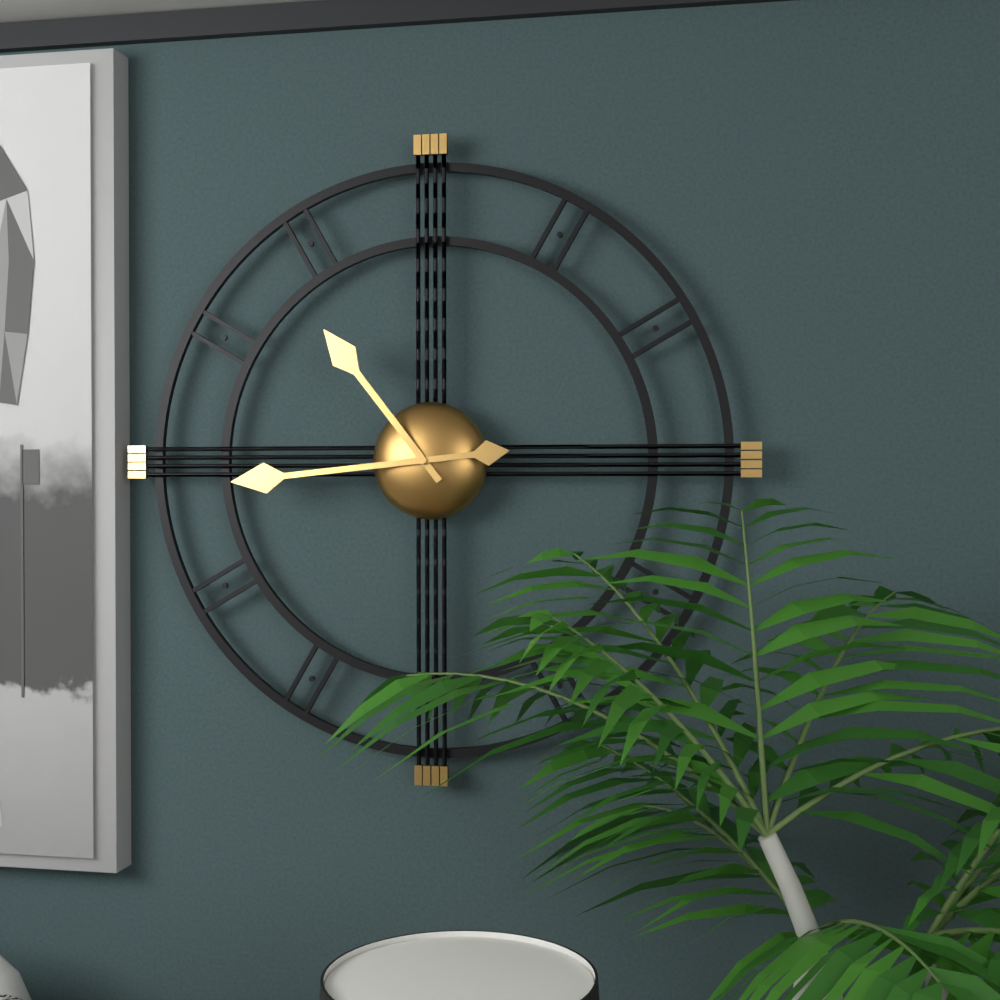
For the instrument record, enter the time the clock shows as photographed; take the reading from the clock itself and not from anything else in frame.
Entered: 10:44
